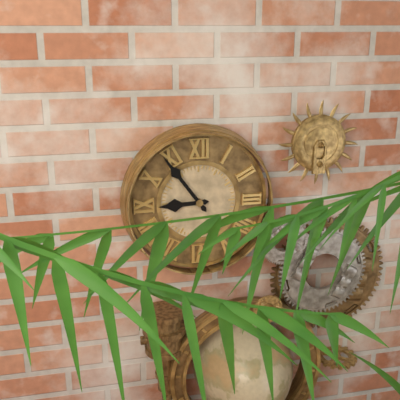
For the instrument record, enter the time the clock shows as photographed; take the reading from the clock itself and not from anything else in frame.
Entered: 8:54
